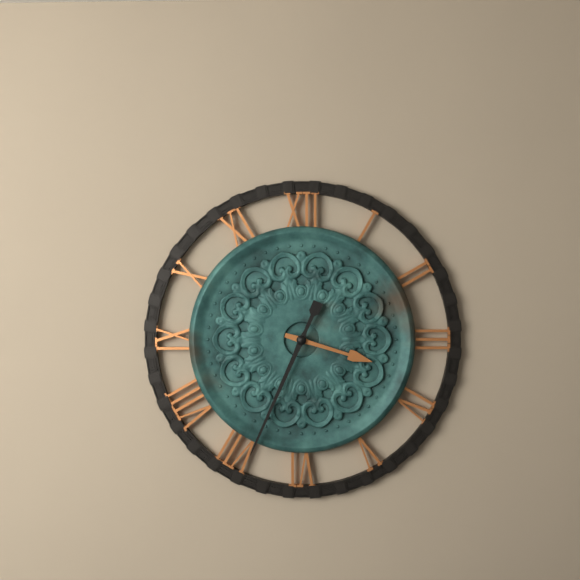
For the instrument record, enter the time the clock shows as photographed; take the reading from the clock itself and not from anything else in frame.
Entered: 3:34
